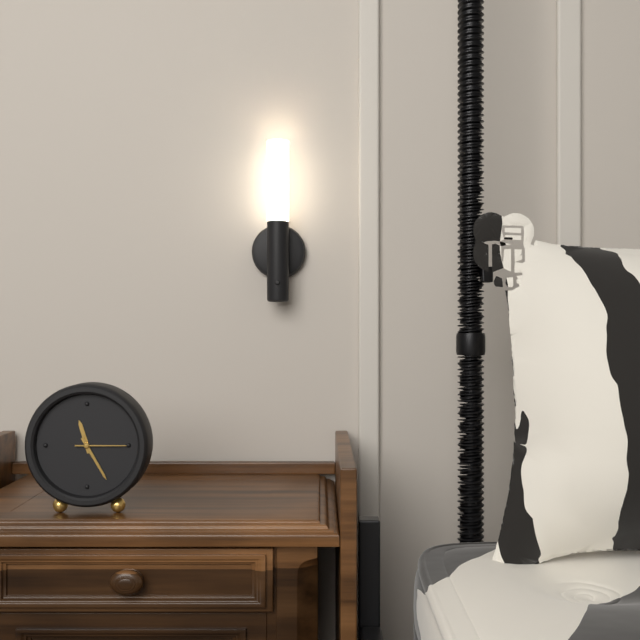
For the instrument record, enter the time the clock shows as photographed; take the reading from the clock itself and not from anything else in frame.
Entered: 11:25:15
